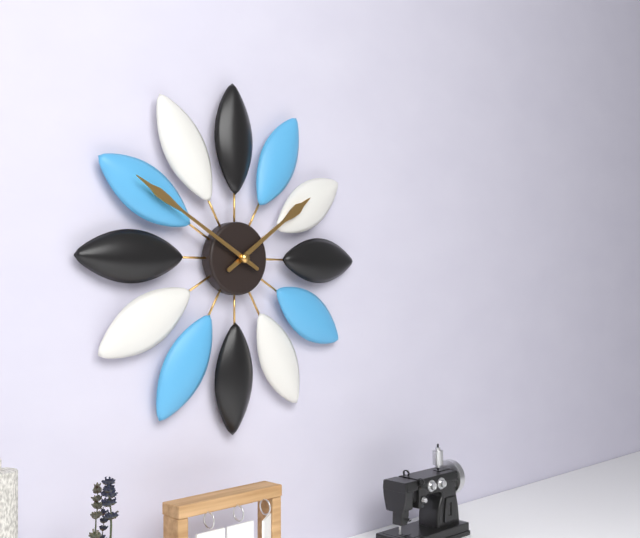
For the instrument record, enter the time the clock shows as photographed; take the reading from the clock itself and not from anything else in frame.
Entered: 1:50
